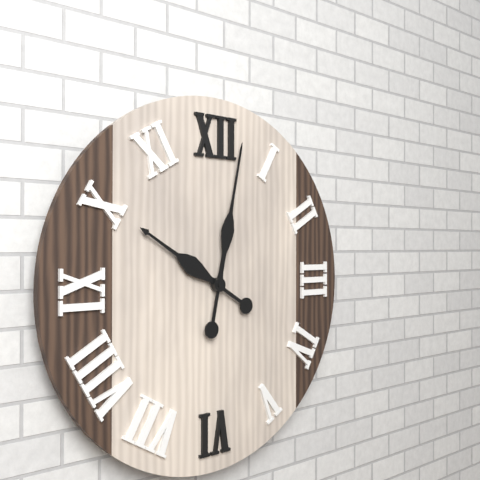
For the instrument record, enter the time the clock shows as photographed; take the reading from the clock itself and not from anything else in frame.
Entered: 10:02
